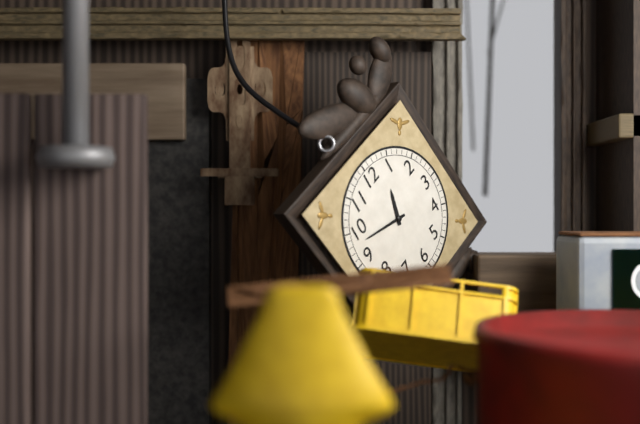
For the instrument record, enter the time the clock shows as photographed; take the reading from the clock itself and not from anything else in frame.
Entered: 12:48
